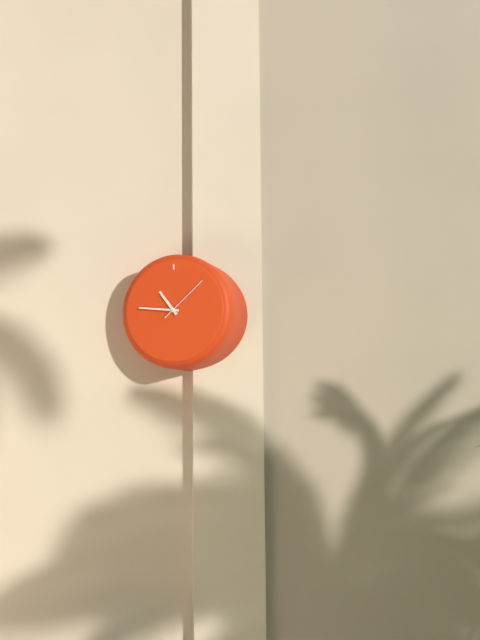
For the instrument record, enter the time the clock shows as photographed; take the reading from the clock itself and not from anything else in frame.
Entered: 10:46:08
